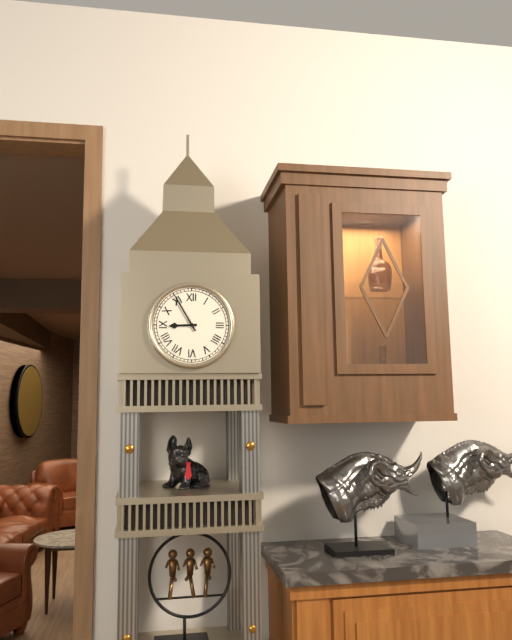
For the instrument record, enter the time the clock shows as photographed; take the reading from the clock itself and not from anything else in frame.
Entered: 8:55
